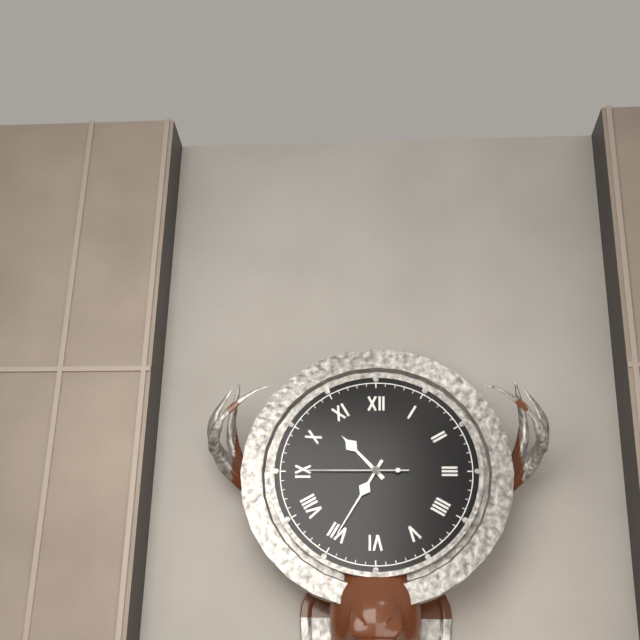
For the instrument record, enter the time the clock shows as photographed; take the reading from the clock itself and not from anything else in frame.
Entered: 10:35:45
